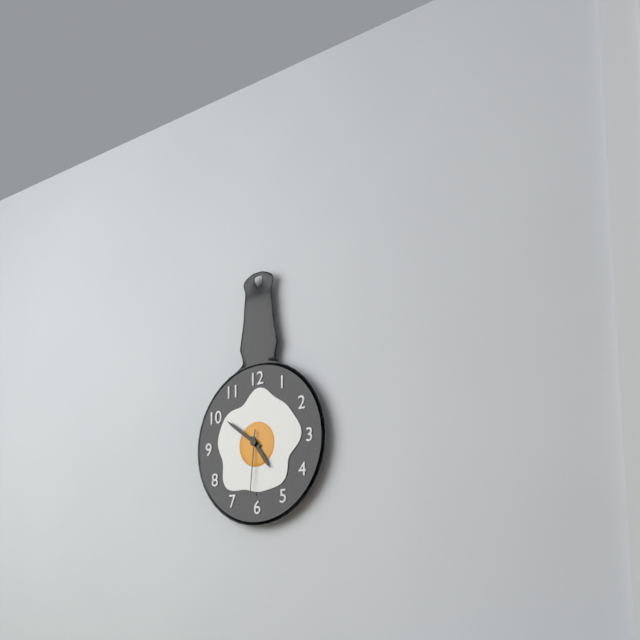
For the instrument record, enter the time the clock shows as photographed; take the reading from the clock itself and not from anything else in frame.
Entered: 4:51:31
